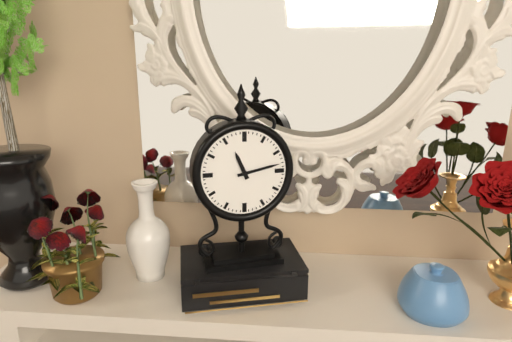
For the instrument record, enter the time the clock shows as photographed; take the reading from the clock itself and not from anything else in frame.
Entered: 11:13
